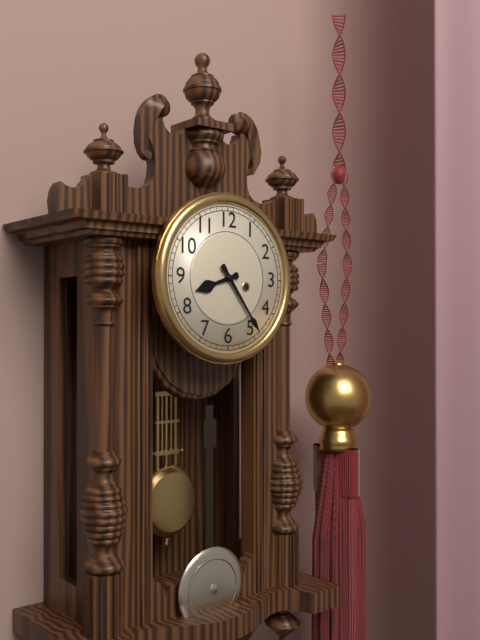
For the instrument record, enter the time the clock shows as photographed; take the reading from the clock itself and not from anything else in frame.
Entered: 8:24
